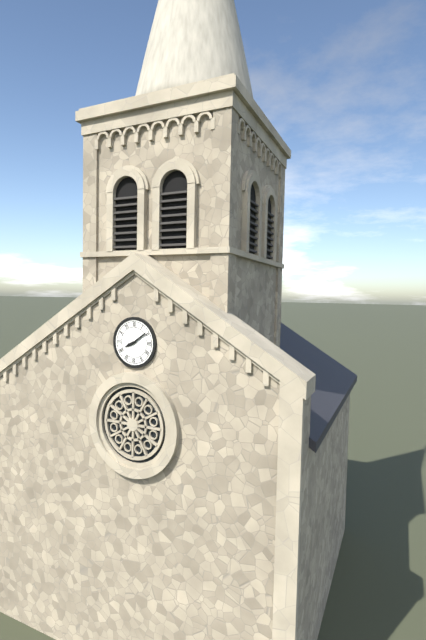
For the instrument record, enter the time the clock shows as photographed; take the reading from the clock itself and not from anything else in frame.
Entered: 8:09
